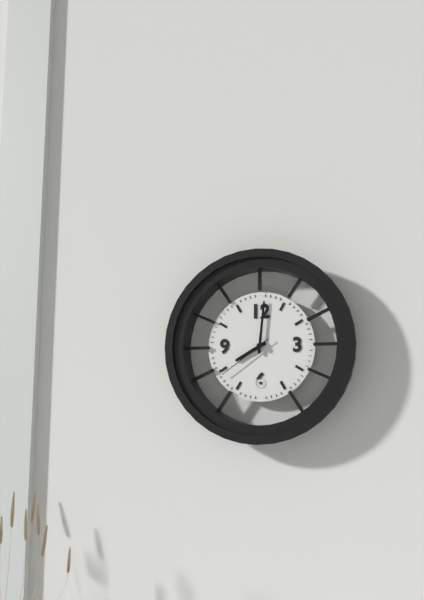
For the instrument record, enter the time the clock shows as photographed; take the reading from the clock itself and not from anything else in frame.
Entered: 8:01:39
